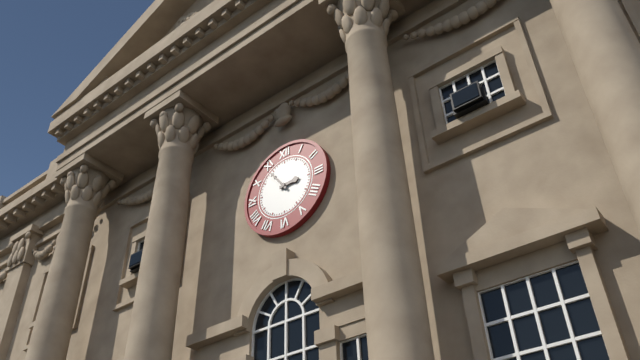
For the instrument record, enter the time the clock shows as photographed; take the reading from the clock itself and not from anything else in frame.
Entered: 2:54
